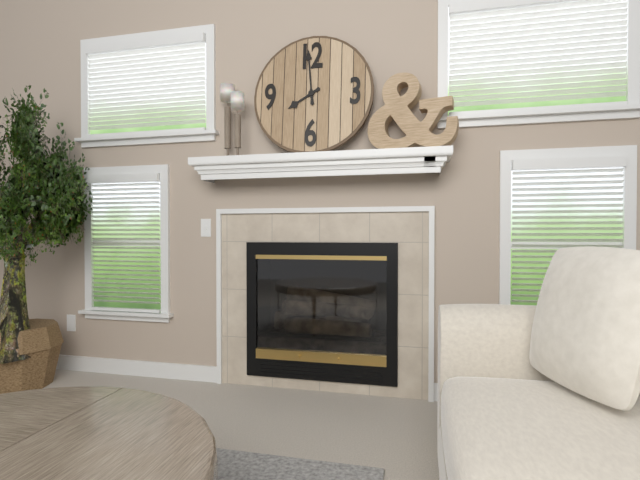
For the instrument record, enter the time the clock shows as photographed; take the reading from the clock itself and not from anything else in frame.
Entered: 7:59
